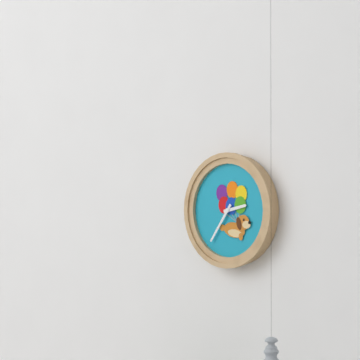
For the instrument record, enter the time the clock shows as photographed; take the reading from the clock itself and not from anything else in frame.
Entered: 2:36
